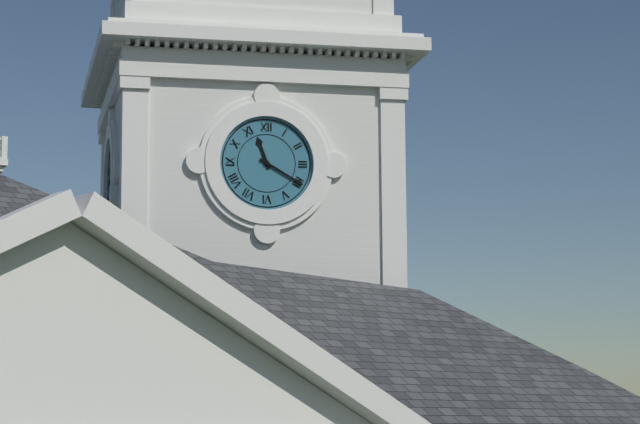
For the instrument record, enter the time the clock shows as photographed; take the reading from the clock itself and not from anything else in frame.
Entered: 11:20
